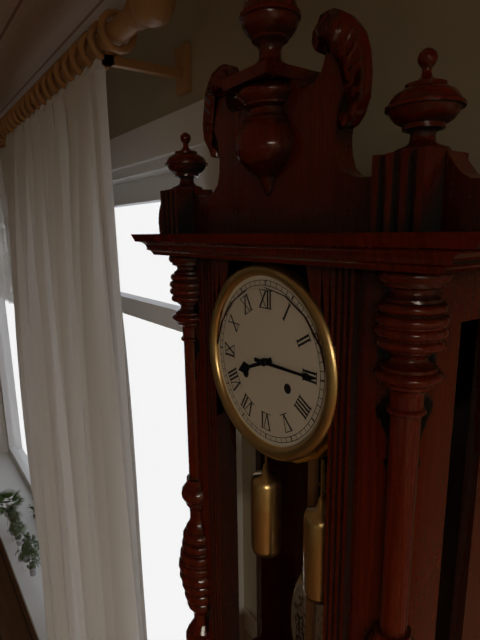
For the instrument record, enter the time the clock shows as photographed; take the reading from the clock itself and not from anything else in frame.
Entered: 8:15
